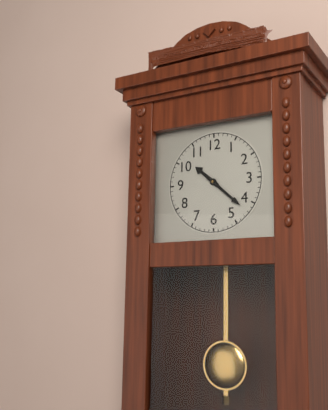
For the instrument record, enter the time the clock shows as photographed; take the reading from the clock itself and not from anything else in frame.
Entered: 10:22
